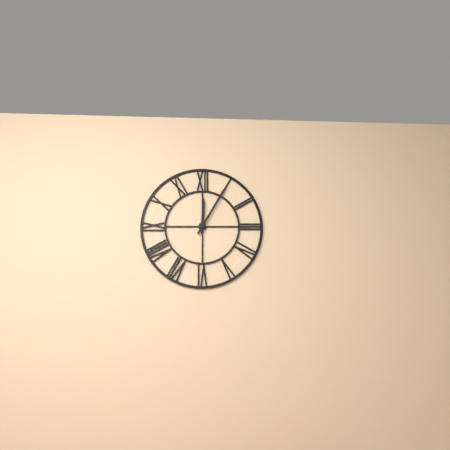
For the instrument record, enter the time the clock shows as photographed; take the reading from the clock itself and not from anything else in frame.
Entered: 12:05
